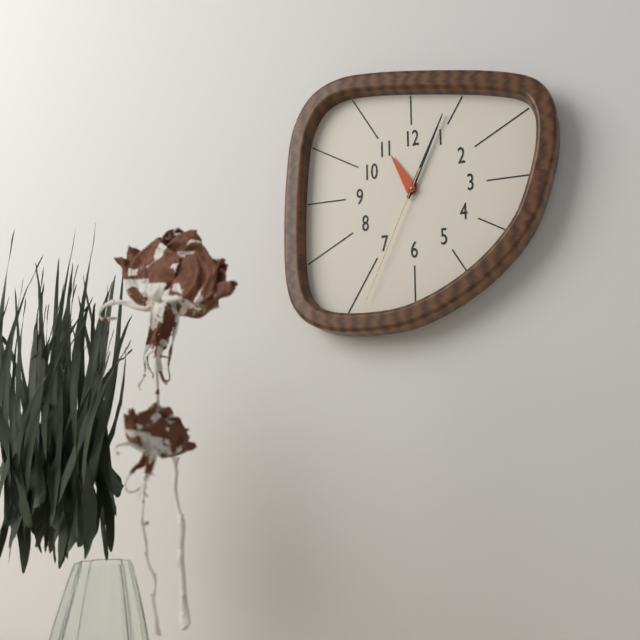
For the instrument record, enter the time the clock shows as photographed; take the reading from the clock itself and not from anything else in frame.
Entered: 11:04:34
